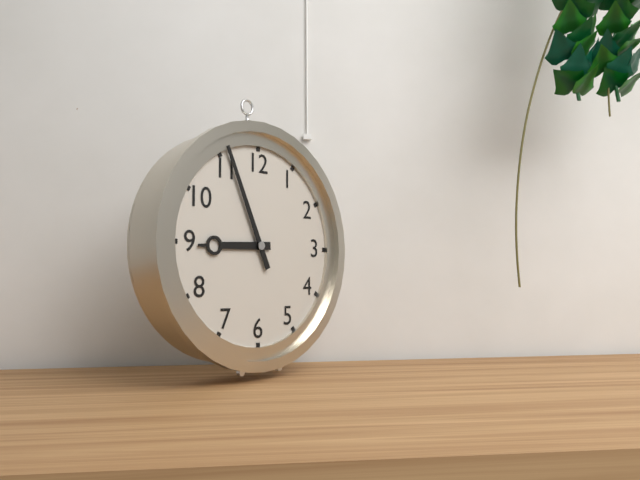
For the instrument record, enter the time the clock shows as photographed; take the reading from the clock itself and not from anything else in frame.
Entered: 8:56
